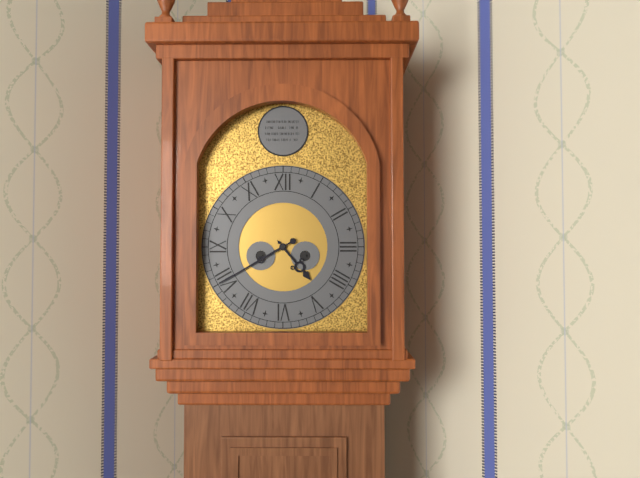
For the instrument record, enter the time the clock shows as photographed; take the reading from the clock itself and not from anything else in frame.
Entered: 4:40
